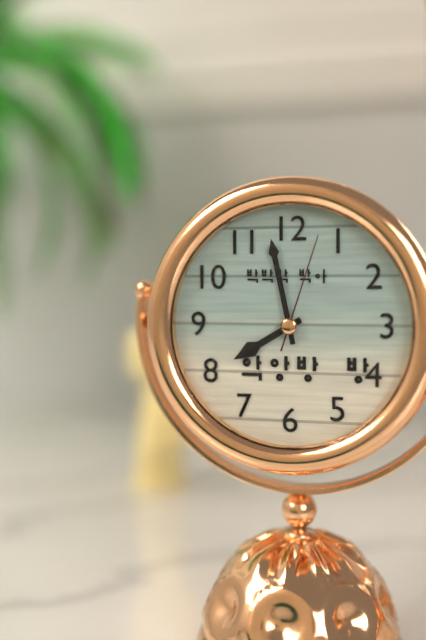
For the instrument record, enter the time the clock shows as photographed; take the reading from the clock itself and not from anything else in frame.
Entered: 7:58:03
